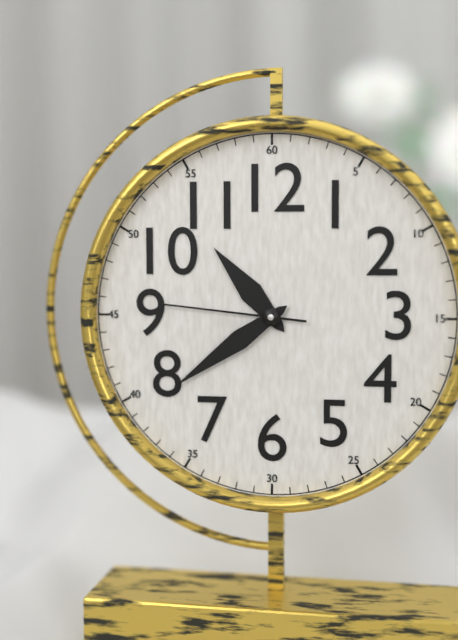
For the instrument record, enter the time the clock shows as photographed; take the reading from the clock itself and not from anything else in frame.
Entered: 10:39:46
